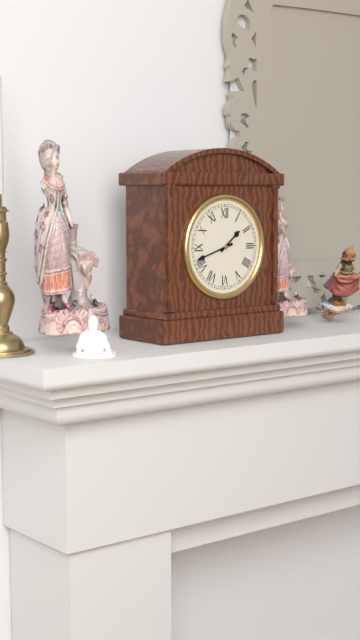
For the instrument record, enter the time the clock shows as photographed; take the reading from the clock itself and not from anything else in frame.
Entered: 1:42
